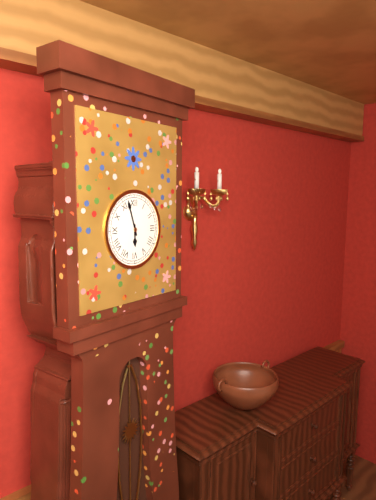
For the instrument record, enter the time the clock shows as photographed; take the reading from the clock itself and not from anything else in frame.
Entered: 5:57
